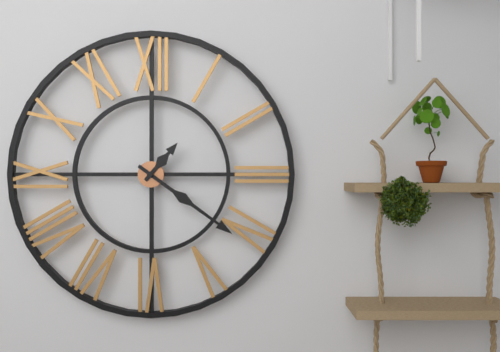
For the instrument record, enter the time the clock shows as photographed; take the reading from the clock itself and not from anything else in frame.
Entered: 1:21
